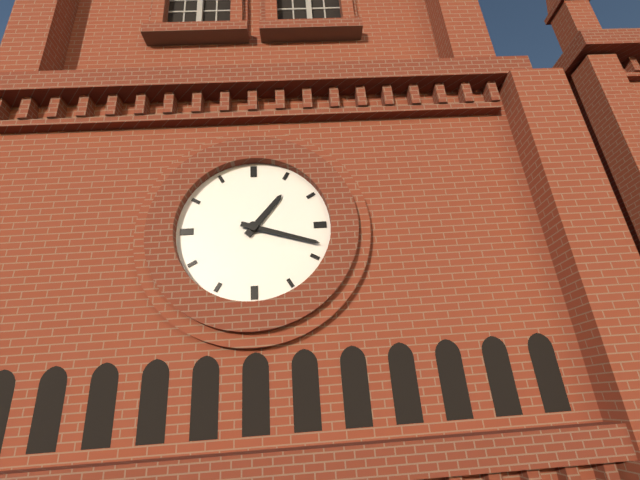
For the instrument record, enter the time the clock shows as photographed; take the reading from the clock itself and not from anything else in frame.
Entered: 1:18
